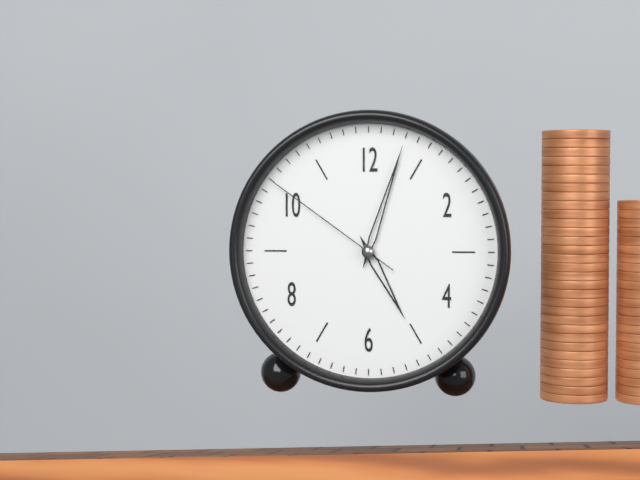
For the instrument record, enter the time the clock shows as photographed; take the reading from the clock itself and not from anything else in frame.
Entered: 5:03:51
